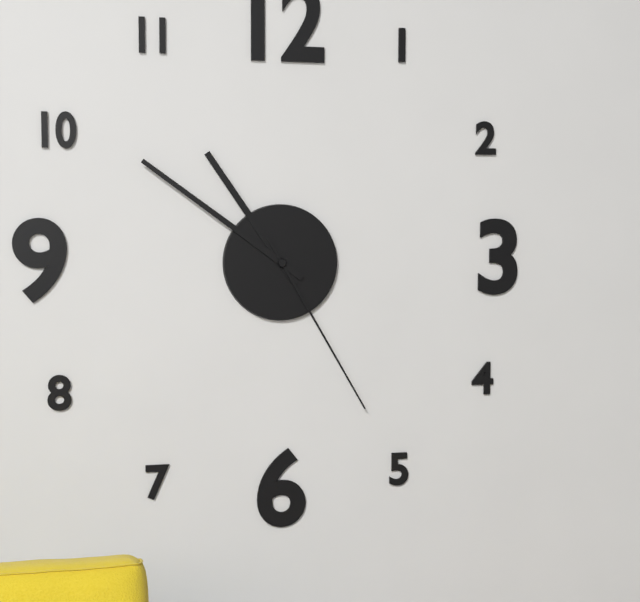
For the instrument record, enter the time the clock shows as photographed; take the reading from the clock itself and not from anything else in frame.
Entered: 10:51:25
